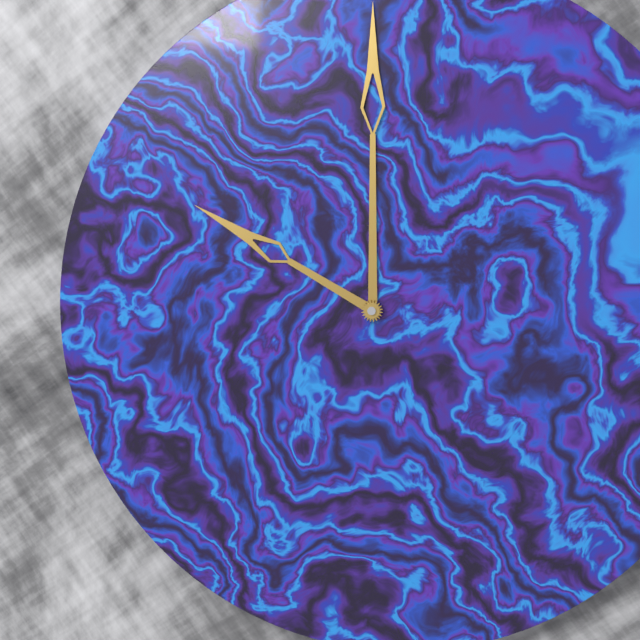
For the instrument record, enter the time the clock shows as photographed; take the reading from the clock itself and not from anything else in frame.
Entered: 10:00
